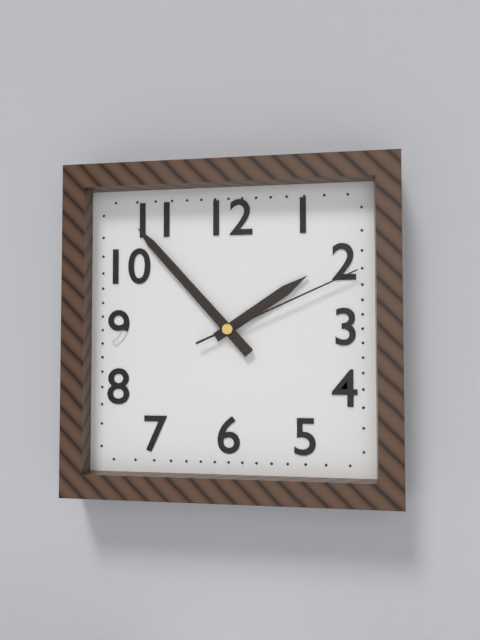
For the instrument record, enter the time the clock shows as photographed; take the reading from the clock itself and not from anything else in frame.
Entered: 1:53:11
